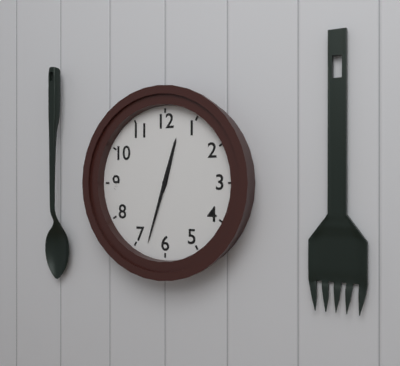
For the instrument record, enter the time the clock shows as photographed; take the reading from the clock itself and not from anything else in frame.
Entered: 12:33
